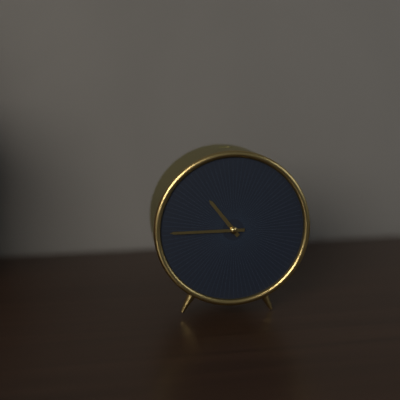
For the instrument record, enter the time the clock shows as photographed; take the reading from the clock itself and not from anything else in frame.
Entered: 10:45
